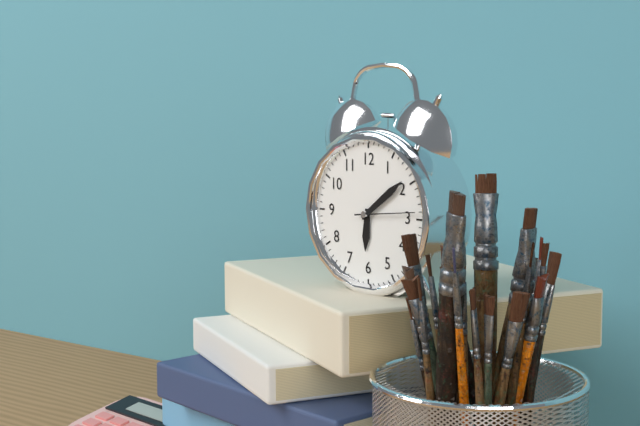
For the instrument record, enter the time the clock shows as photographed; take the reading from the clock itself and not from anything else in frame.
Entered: 6:09:14
